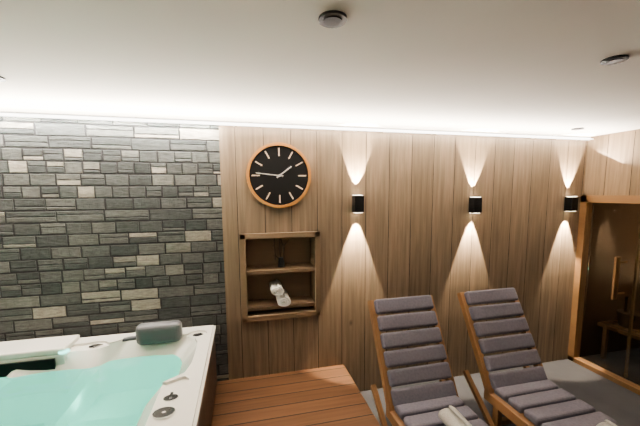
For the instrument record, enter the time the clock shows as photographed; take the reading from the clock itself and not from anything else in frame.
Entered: 1:46
